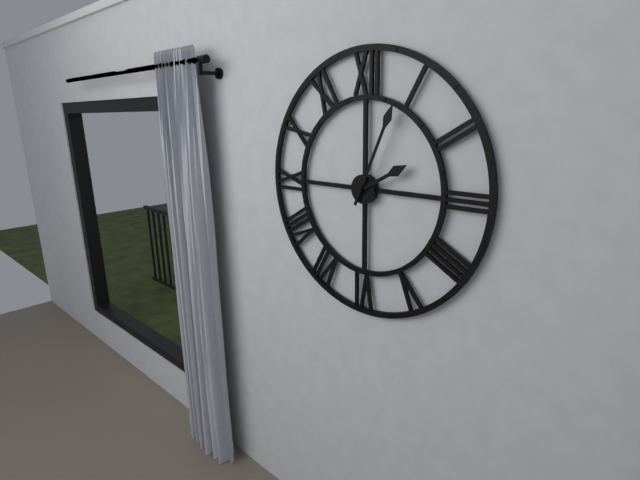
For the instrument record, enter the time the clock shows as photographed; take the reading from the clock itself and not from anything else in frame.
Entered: 2:04
